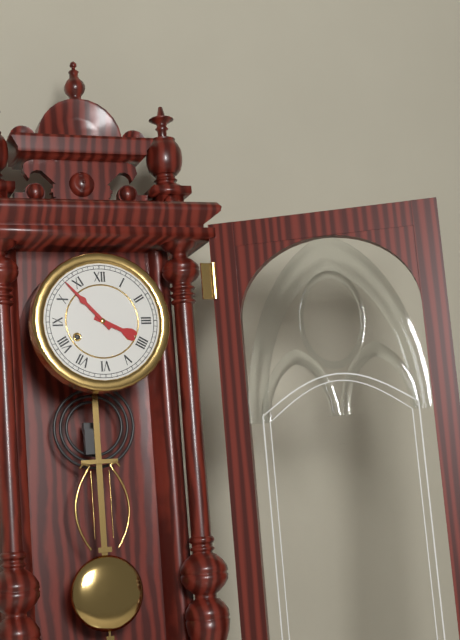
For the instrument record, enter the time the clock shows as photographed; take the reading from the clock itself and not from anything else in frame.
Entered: 3:53
